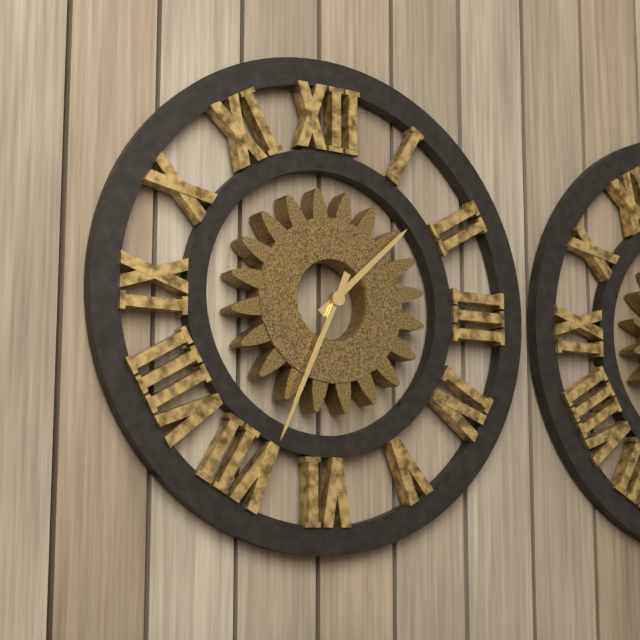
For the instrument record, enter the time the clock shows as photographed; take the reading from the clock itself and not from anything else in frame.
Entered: 1:34
